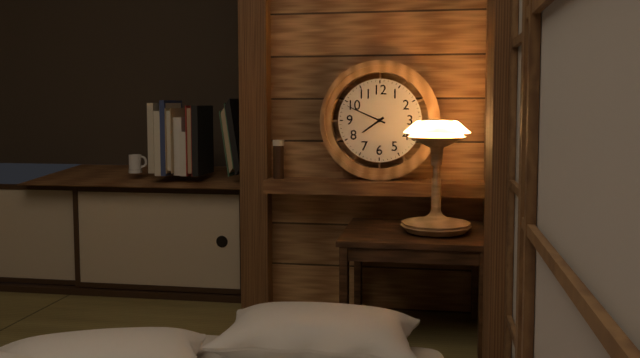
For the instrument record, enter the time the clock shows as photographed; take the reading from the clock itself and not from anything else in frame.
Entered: 7:49
